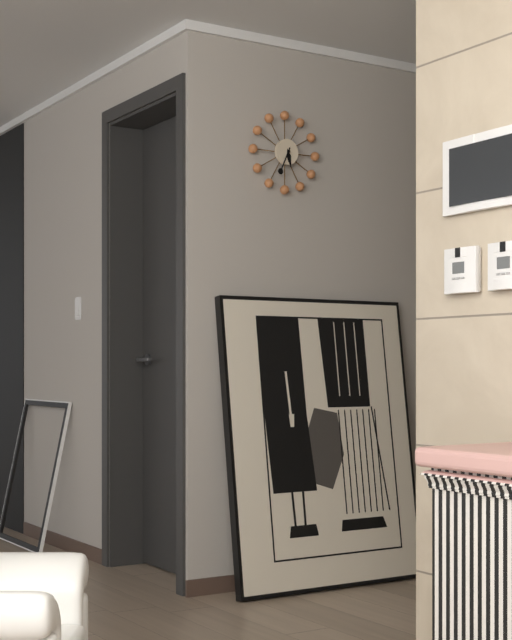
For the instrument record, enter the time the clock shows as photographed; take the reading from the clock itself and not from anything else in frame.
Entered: 5:34
